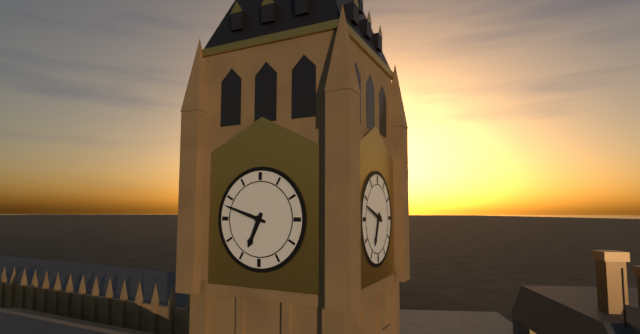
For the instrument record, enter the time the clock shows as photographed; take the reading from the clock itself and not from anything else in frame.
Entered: 6:48
